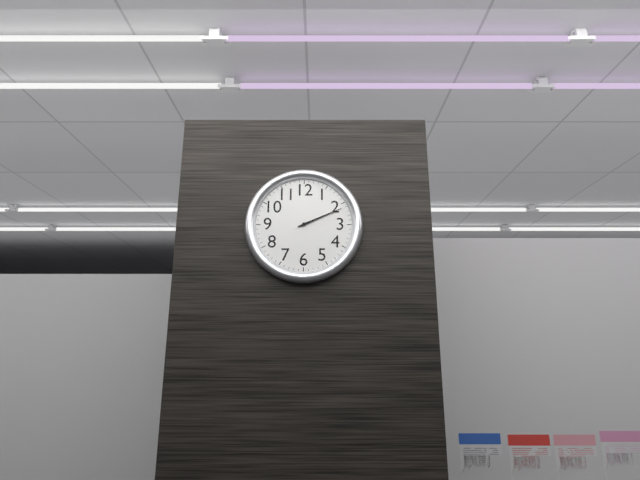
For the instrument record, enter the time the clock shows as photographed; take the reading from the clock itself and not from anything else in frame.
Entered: 2:11
